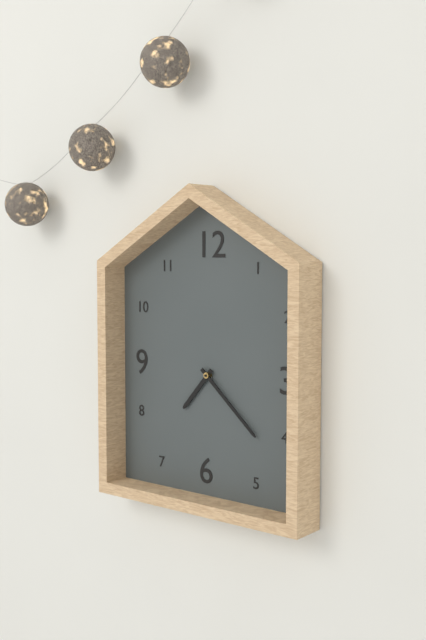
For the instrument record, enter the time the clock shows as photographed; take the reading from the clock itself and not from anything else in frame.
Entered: 7:22
